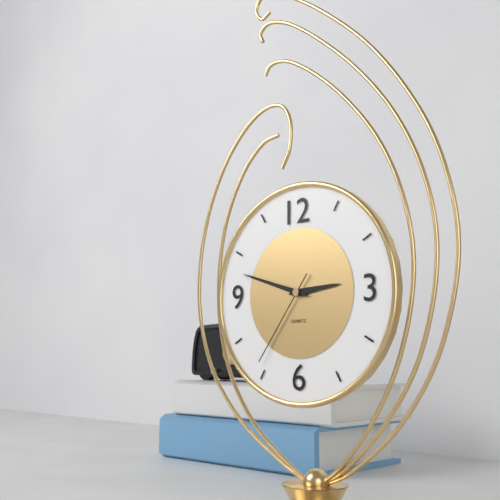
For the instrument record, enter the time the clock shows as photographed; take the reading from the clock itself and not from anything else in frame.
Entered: 2:48:36
